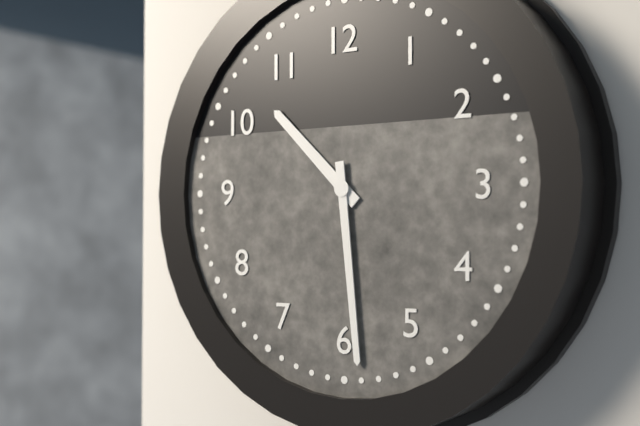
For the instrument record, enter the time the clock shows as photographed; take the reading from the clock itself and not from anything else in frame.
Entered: 10:29
